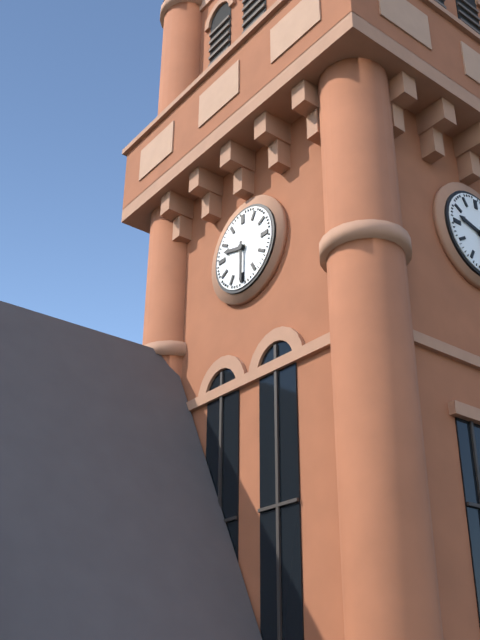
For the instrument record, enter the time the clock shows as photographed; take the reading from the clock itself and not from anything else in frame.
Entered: 9:30
